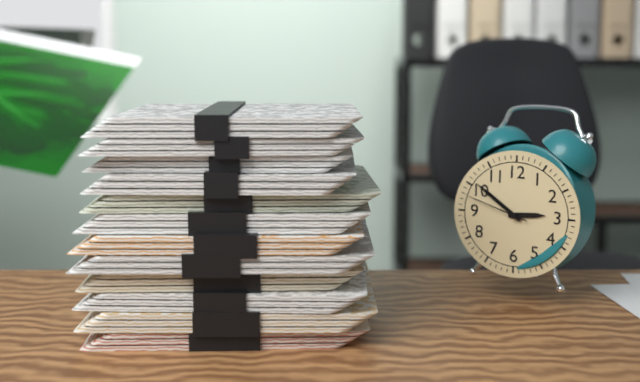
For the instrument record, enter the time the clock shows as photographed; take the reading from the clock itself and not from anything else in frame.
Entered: 2:51:48
